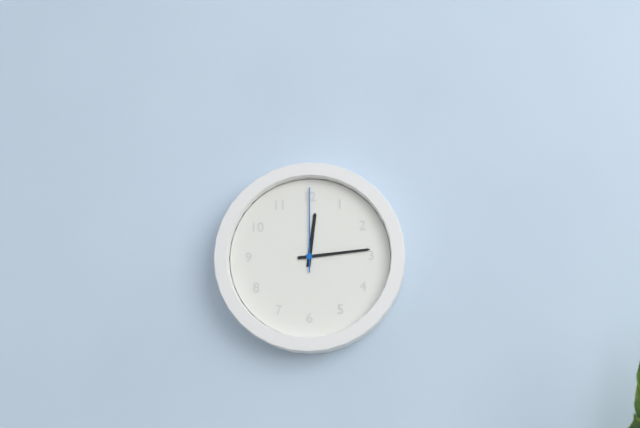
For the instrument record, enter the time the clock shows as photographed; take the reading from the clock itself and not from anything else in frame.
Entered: 12:14:00
